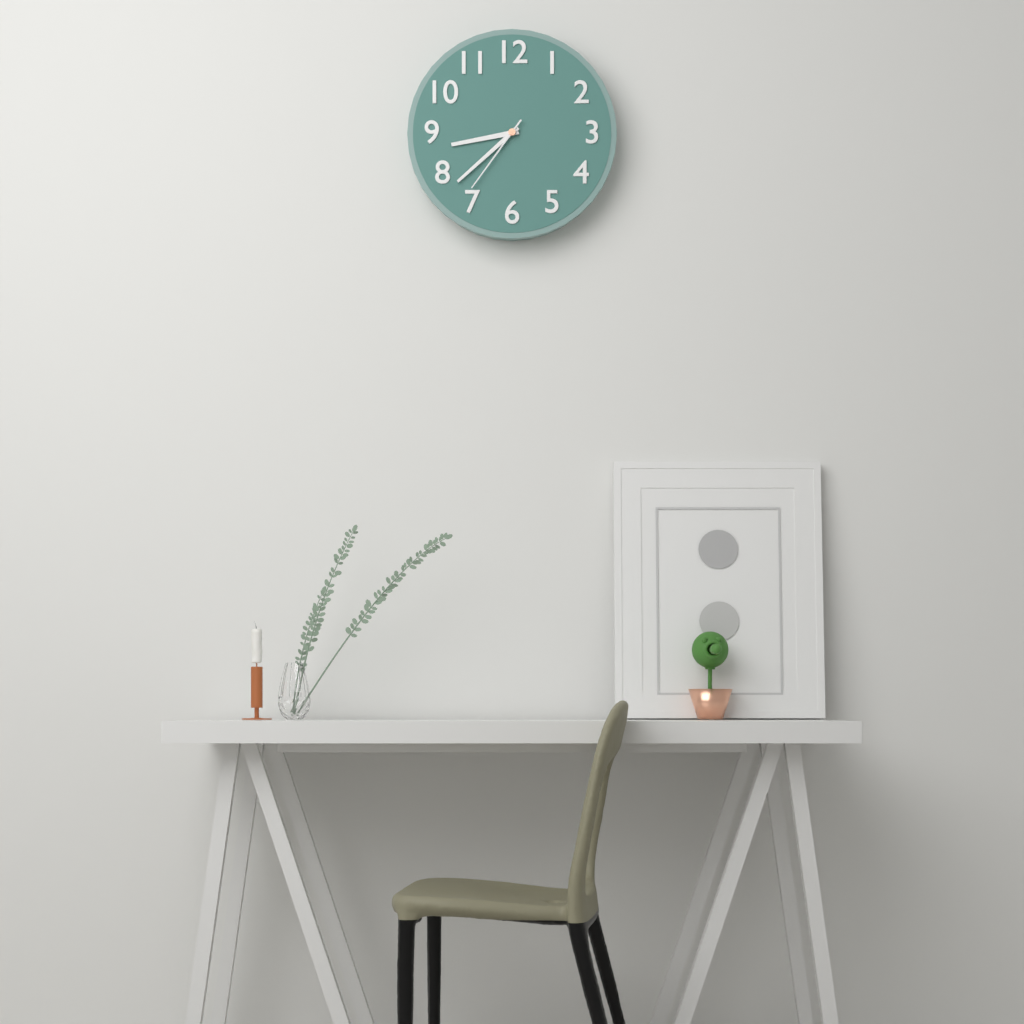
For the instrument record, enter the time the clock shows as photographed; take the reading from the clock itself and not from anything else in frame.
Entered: 8:38:36
